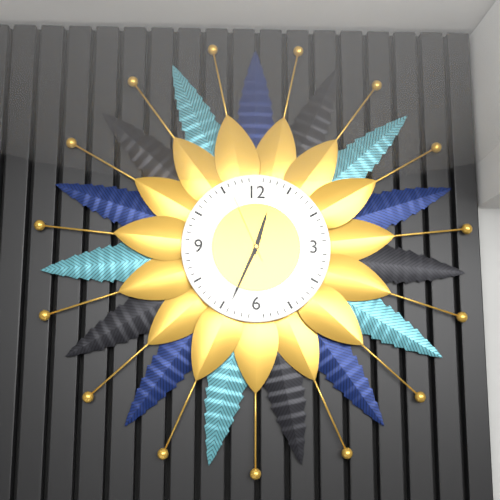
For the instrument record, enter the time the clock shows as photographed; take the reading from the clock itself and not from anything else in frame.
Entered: 12:34:56
